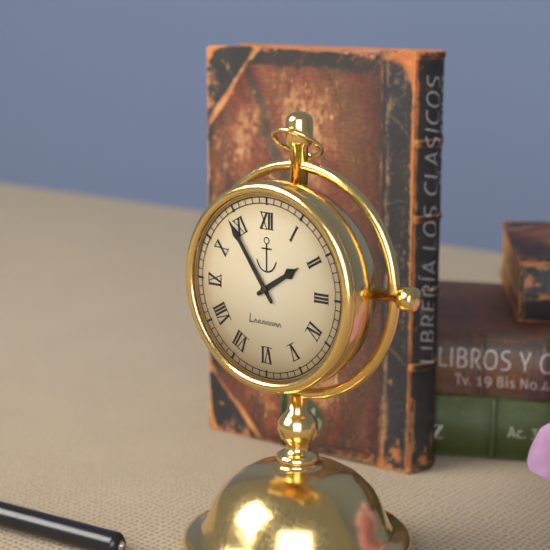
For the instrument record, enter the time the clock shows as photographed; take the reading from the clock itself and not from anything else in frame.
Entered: 1:54
